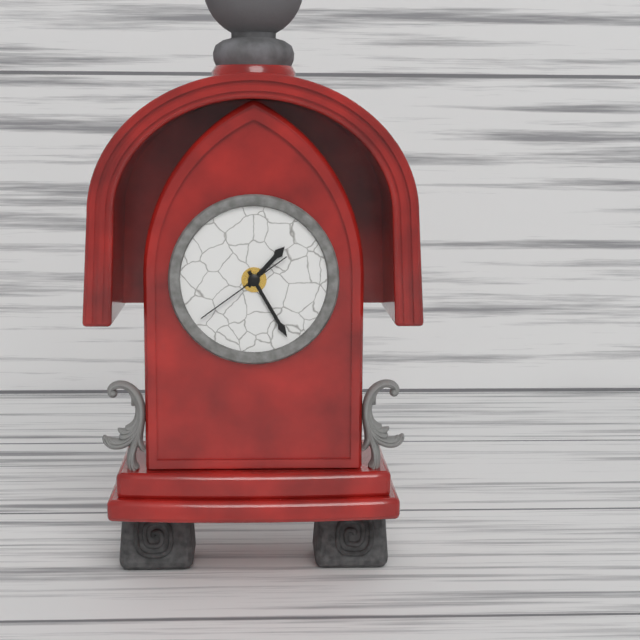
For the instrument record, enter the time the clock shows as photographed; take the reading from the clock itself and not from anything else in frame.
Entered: 1:25:39
